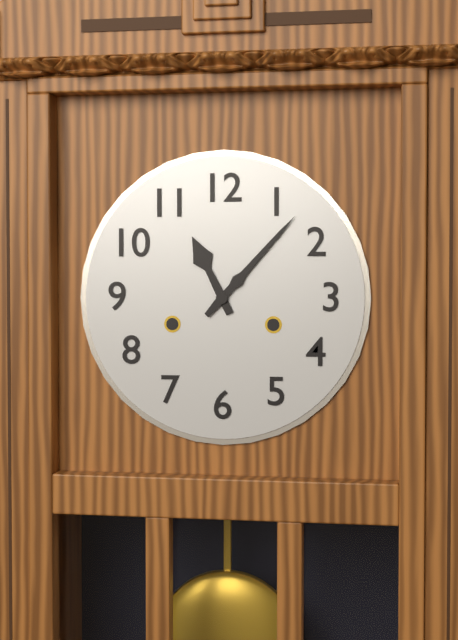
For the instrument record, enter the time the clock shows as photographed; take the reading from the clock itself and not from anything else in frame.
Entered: 11:07
